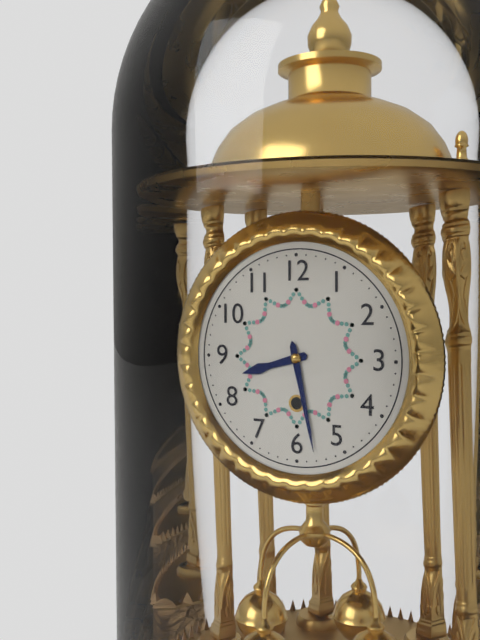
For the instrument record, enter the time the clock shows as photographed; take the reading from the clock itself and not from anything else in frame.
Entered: 8:28
